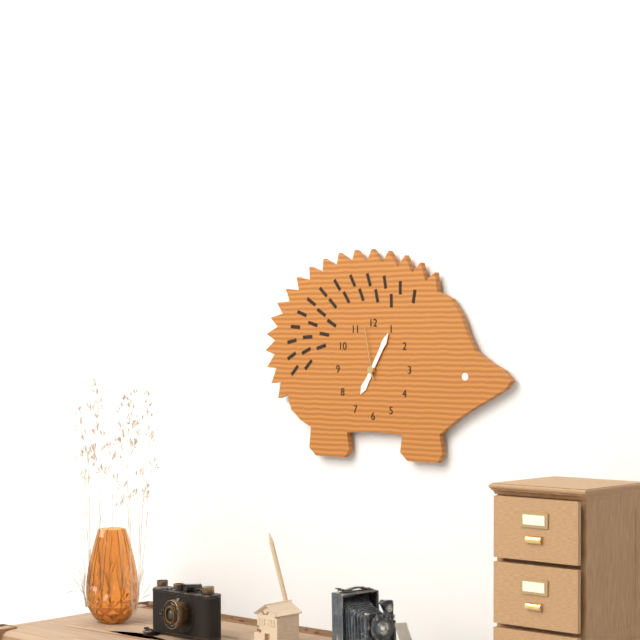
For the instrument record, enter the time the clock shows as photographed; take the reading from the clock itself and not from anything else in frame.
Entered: 7:05:58
